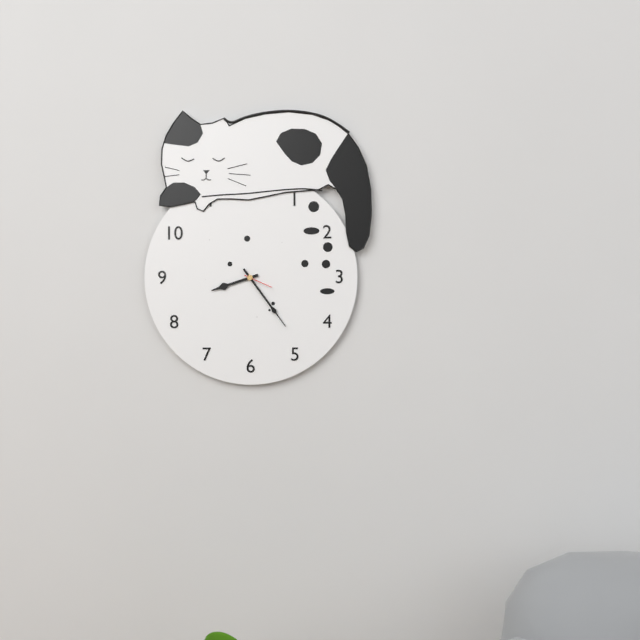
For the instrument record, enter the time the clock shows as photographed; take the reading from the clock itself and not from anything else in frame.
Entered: 8:24
